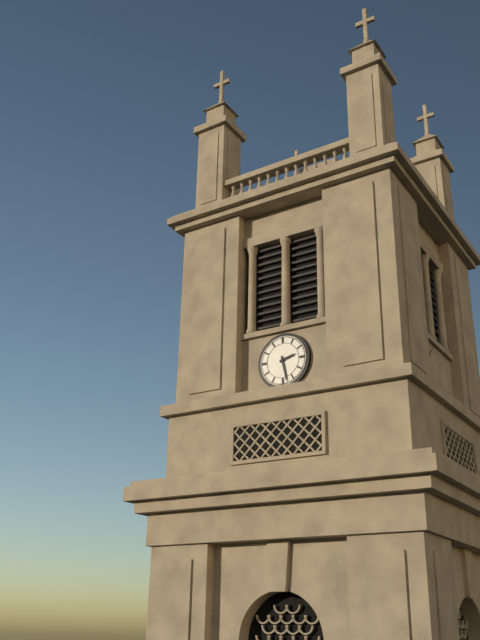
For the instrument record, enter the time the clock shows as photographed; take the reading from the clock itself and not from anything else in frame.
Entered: 2:28
